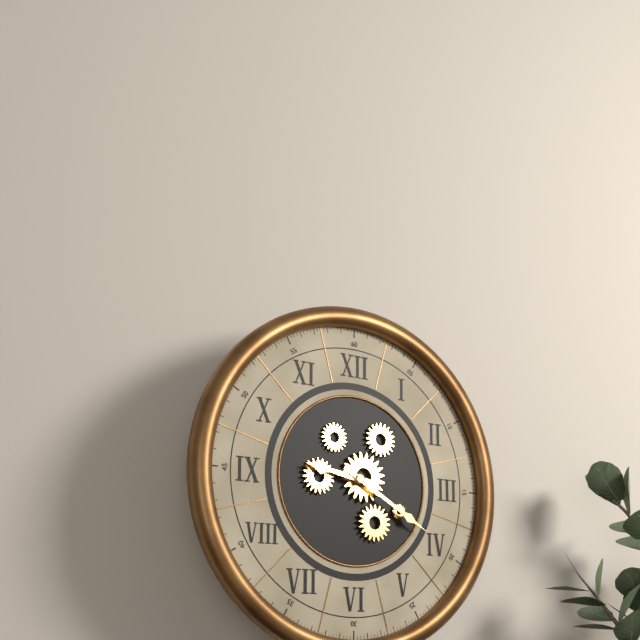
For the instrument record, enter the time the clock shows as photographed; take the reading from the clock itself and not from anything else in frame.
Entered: 9:20
